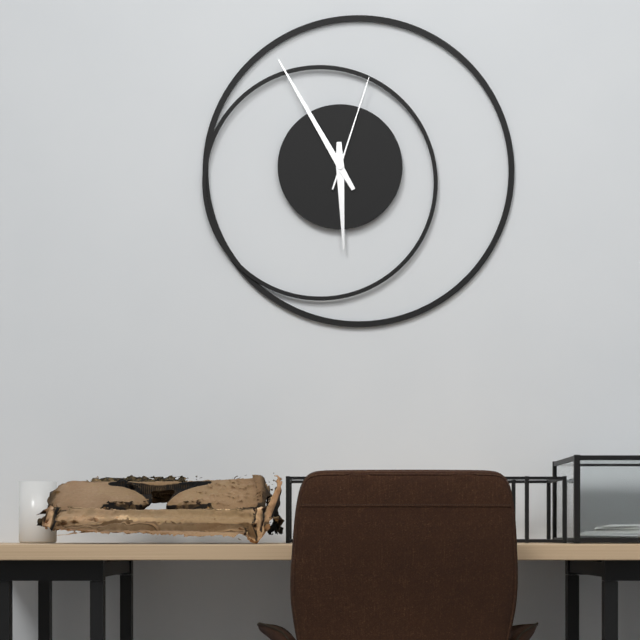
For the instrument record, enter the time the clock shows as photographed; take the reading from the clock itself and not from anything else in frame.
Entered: 5:55:03
